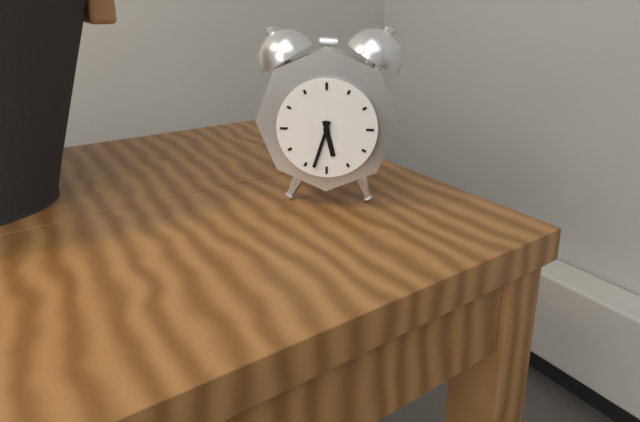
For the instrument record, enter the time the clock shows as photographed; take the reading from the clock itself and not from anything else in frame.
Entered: 5:33
